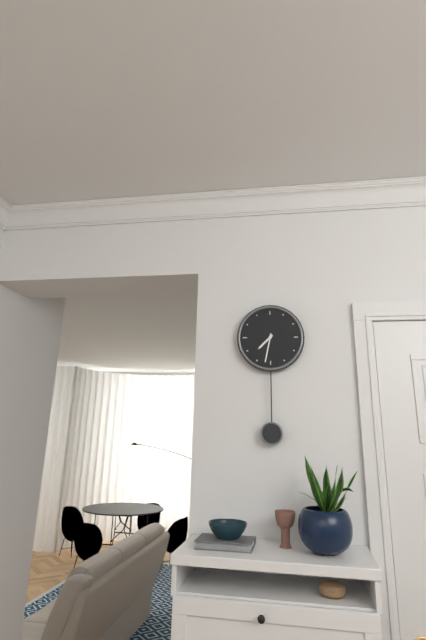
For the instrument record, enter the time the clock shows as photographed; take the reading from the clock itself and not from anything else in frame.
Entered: 7:32
